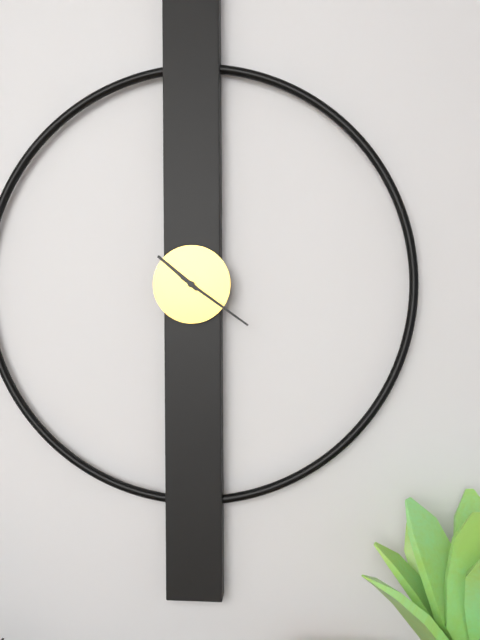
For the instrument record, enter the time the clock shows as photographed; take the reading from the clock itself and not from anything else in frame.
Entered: 10:21
